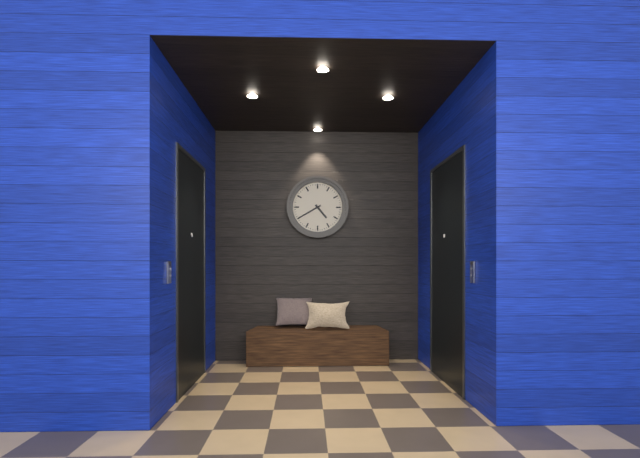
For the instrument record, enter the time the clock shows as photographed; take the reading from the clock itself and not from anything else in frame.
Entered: 4:40
